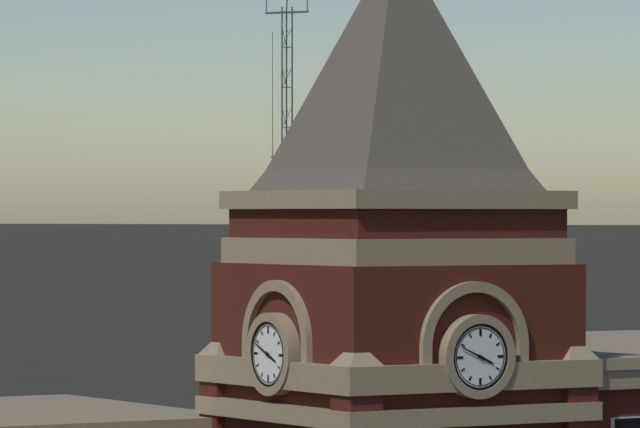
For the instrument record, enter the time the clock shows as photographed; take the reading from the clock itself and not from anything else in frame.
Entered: 3:49
